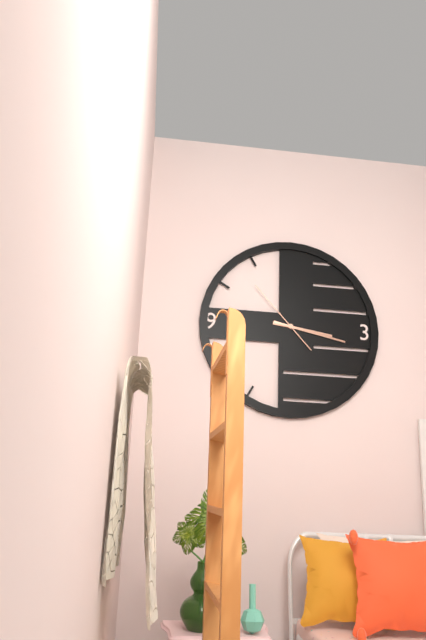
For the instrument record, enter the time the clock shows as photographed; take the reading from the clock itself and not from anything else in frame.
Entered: 3:17:53
